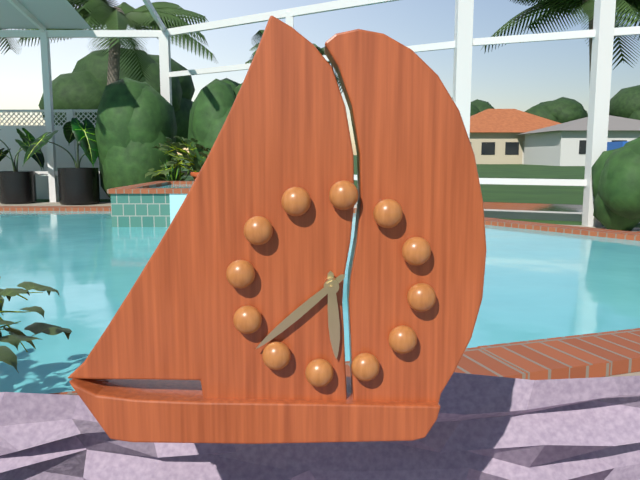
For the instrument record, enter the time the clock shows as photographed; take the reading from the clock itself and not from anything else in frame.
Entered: 5:37
